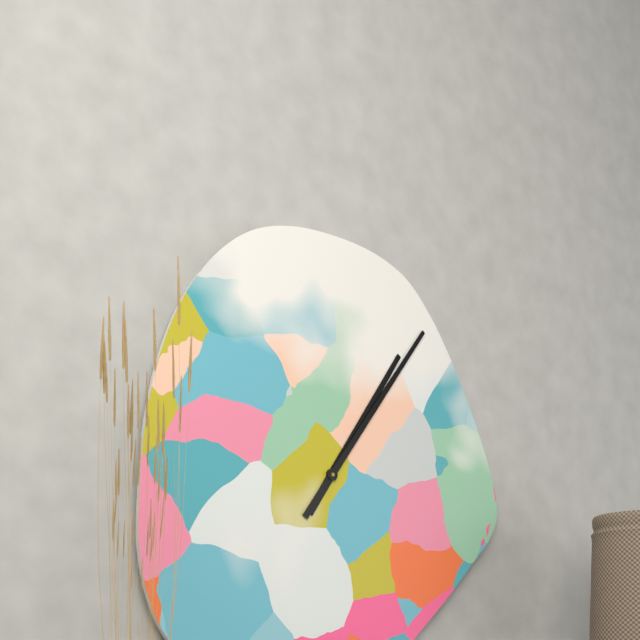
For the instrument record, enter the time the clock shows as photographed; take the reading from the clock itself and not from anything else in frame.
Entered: 1:06
